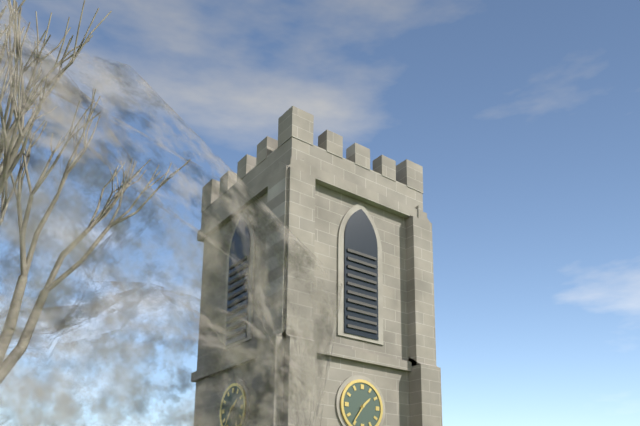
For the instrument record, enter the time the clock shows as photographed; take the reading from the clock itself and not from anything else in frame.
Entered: 1:36
